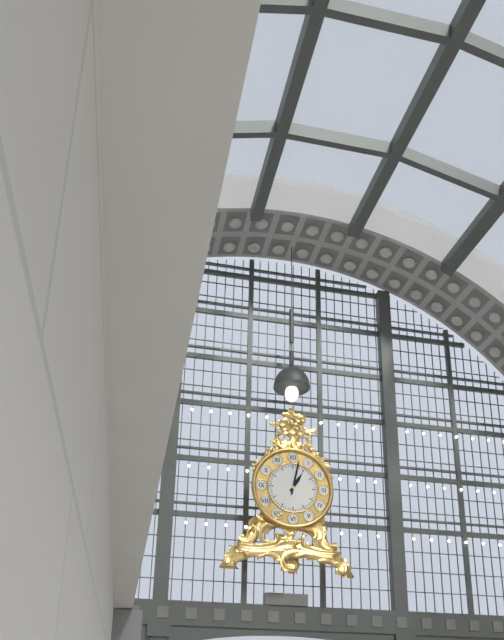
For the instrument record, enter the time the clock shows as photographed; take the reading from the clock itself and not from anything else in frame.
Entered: 1:02
